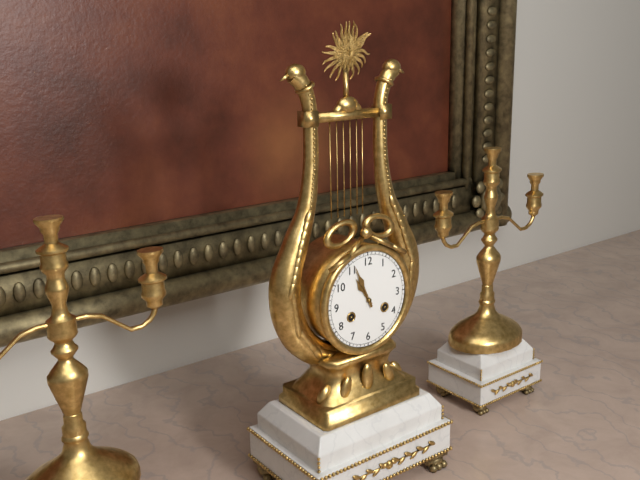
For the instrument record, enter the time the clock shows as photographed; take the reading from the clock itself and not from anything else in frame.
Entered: 10:56
